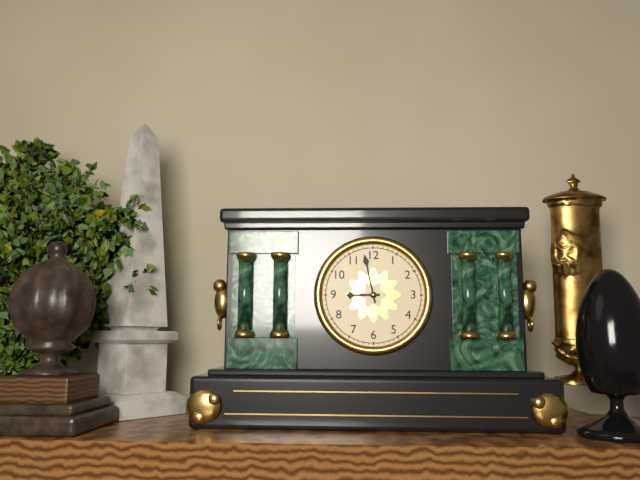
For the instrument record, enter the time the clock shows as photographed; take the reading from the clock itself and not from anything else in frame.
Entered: 8:58
